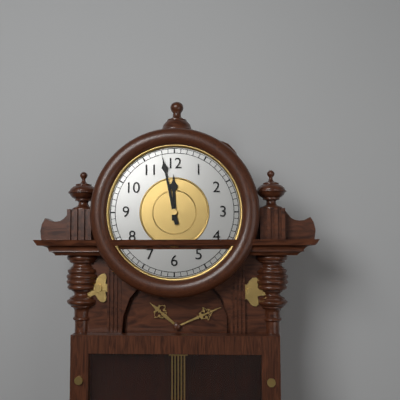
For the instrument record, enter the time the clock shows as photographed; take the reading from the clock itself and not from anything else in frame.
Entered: 11:58
